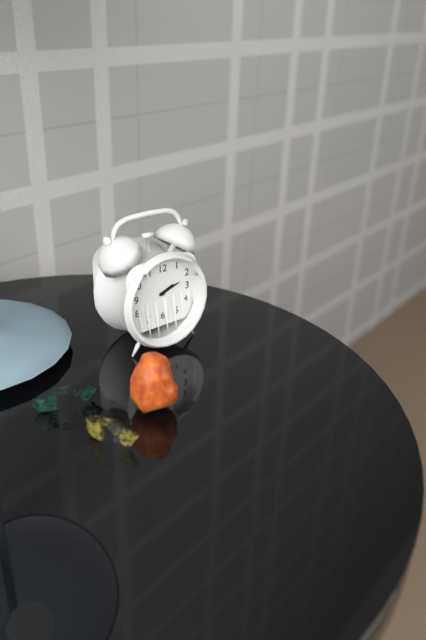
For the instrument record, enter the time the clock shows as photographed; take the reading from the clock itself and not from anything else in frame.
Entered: 2:12
